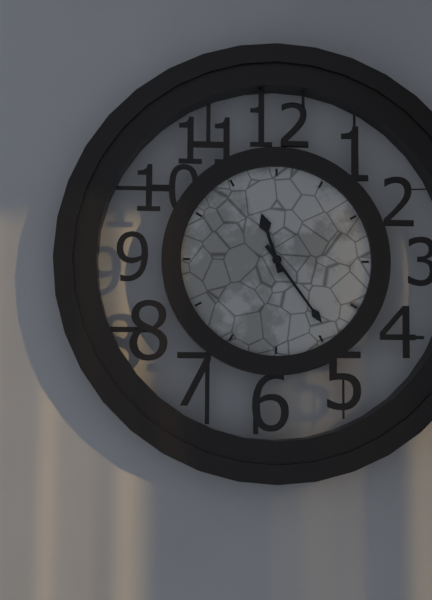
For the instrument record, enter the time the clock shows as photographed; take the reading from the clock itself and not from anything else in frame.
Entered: 11:24
